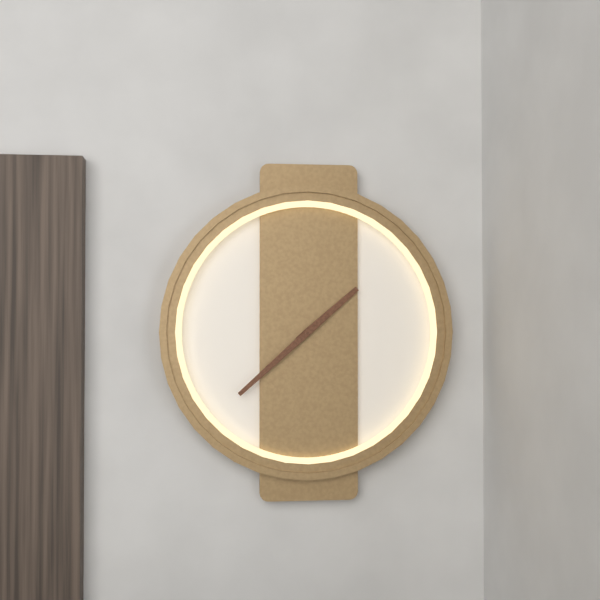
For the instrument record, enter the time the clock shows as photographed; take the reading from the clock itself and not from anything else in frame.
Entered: 1:38
